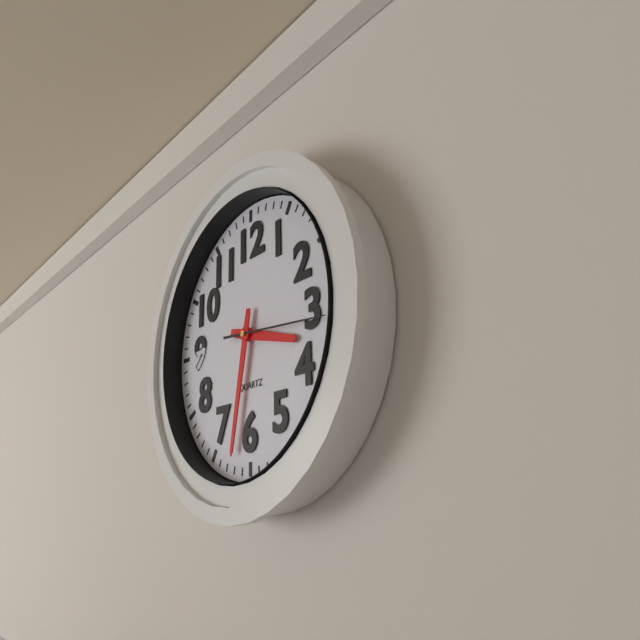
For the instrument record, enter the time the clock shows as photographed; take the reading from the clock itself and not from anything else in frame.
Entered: 3:32:16
